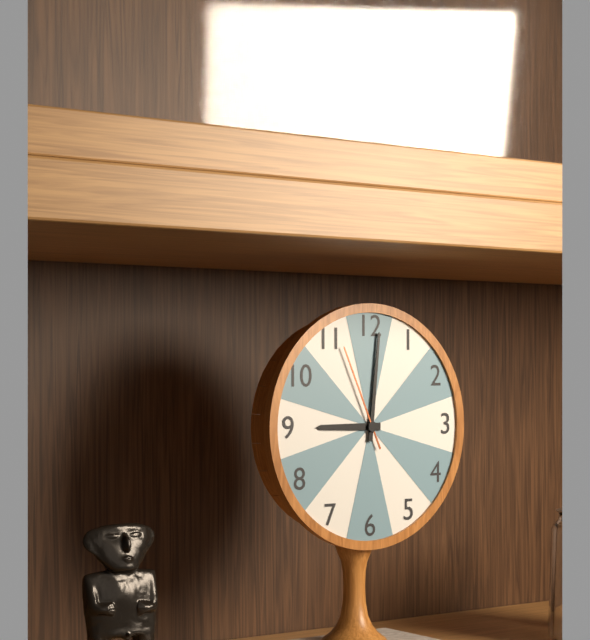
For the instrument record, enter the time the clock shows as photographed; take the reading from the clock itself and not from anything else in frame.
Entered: 9:01:56
